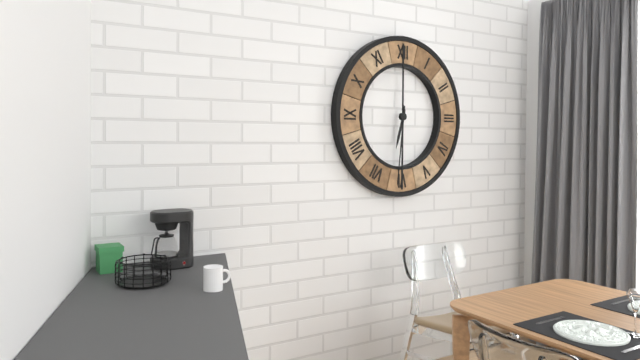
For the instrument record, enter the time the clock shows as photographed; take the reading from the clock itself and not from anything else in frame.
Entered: 6:31
